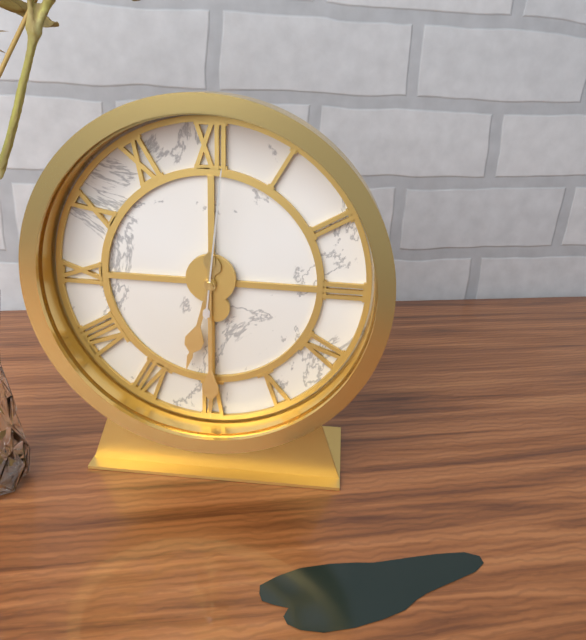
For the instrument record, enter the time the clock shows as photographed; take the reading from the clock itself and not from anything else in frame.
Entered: 6:30:01
